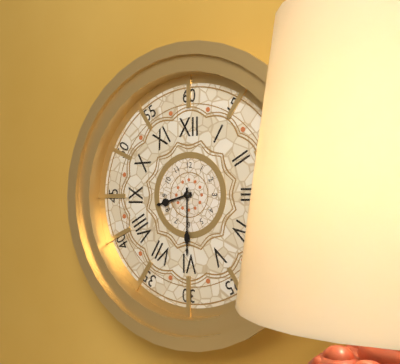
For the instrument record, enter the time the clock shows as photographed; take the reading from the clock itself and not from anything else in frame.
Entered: 8:30
